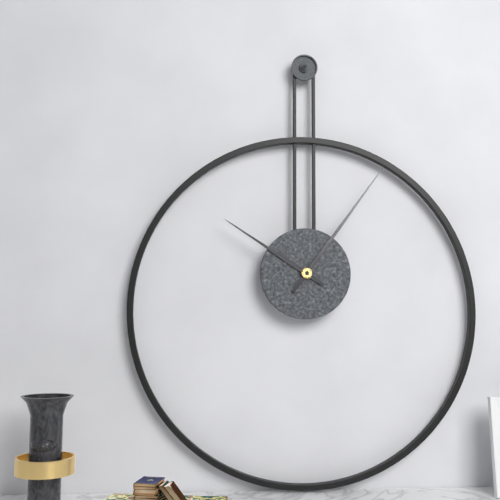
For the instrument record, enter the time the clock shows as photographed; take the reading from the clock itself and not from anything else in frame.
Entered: 10:06
